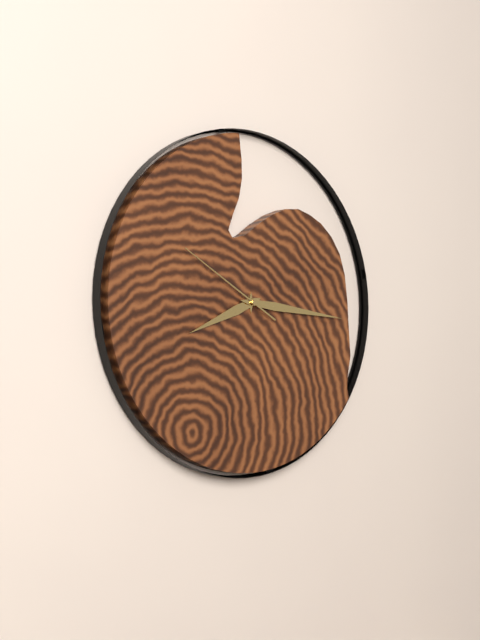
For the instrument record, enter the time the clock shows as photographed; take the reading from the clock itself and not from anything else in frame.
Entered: 8:16:50
